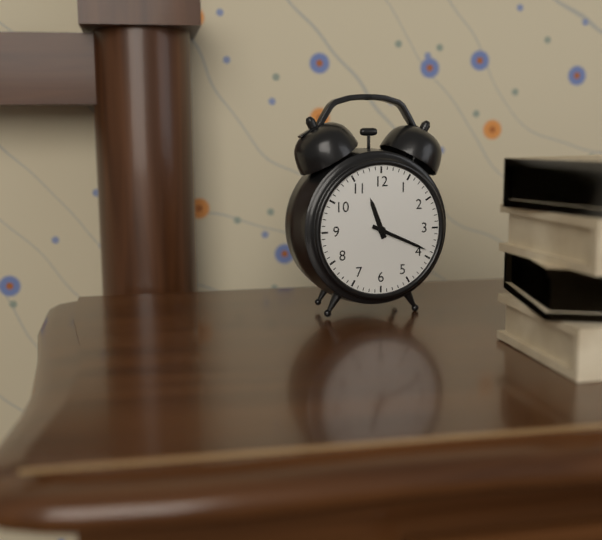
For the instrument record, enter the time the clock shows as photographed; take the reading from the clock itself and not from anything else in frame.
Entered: 11:19
